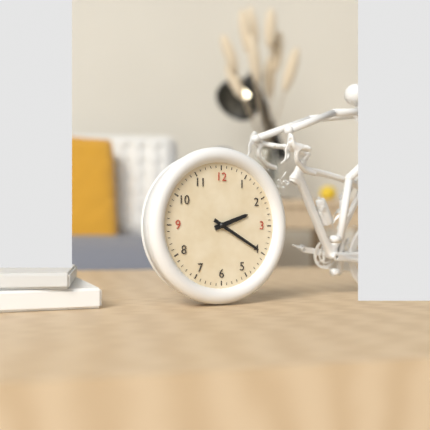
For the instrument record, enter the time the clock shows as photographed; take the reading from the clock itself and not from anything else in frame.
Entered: 2:20
